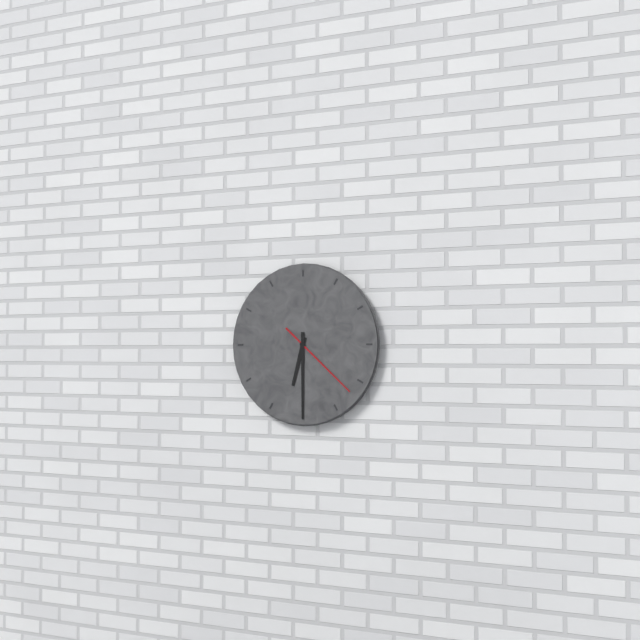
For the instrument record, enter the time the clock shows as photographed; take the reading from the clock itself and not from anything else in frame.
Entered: 6:30:22
